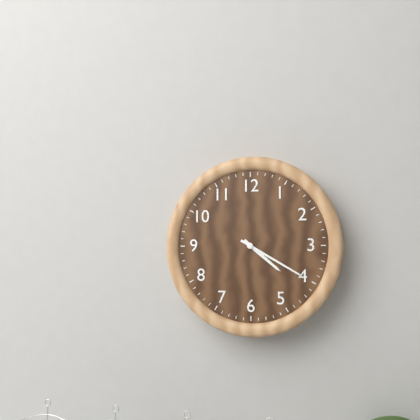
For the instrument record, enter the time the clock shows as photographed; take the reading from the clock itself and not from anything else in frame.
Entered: 4:20
